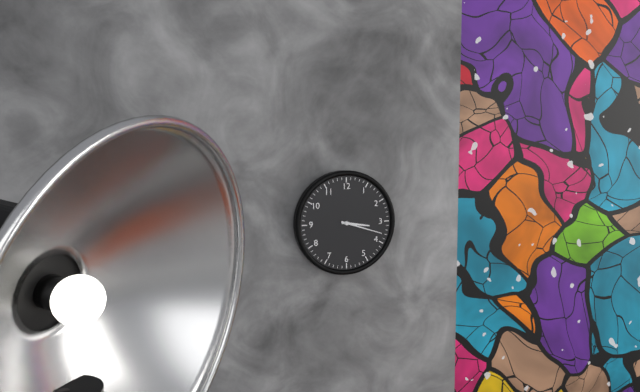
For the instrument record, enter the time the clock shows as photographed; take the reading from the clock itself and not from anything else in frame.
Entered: 3:18
